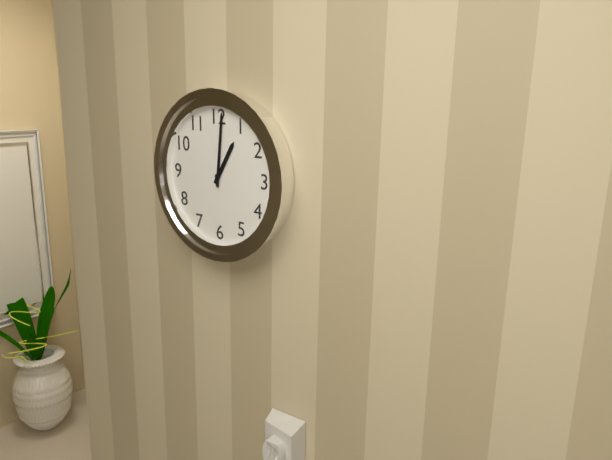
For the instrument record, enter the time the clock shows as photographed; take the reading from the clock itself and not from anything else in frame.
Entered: 1:01
